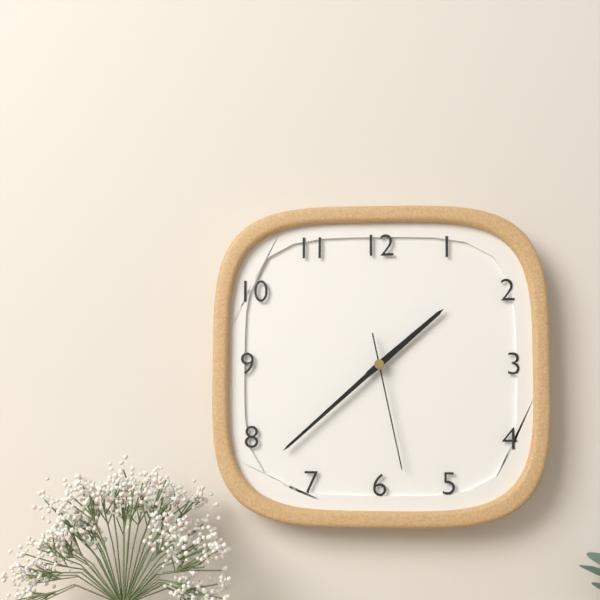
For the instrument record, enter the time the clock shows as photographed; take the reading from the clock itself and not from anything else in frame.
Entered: 1:38:28
